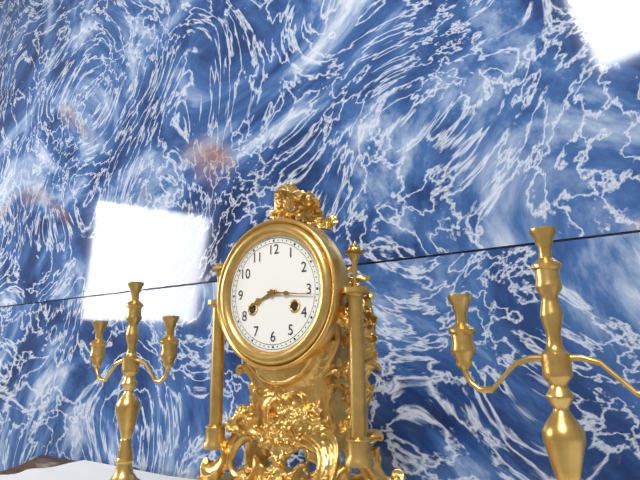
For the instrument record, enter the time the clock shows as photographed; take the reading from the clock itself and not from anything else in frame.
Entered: 8:16
